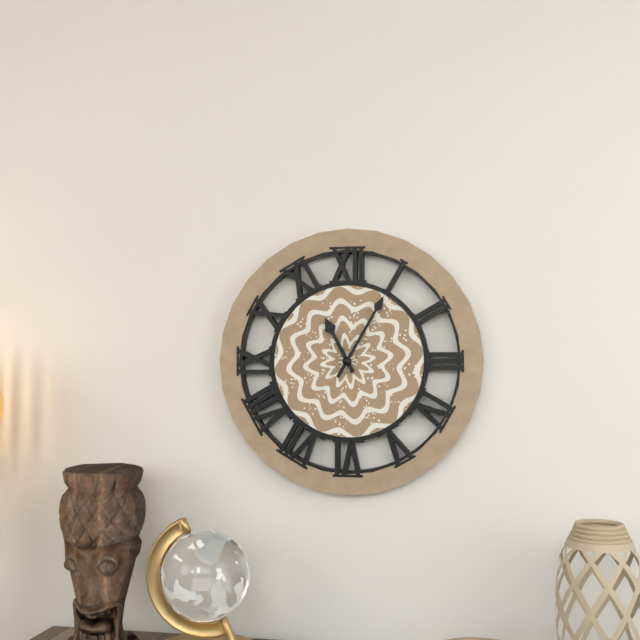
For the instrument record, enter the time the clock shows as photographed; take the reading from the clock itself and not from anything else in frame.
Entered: 11:05
